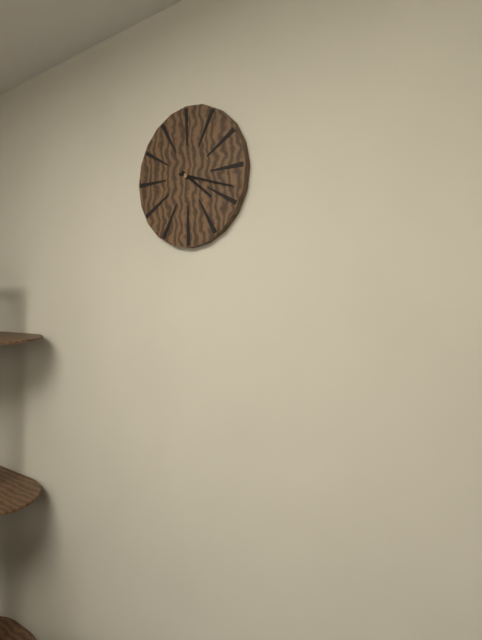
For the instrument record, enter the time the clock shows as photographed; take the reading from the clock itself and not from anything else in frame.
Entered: 4:18
